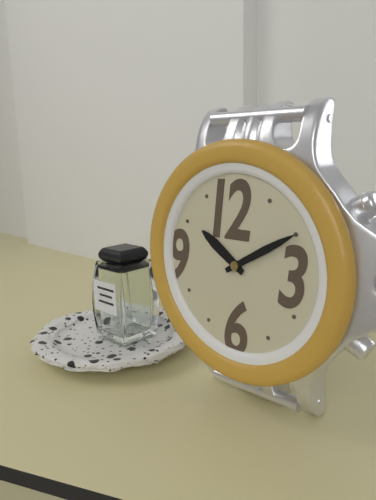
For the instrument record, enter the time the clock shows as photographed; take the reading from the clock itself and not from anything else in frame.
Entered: 10:10
